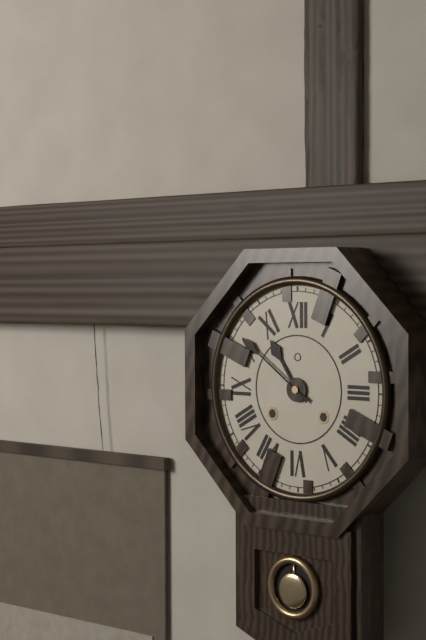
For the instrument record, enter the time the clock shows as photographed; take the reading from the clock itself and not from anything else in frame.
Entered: 10:51
